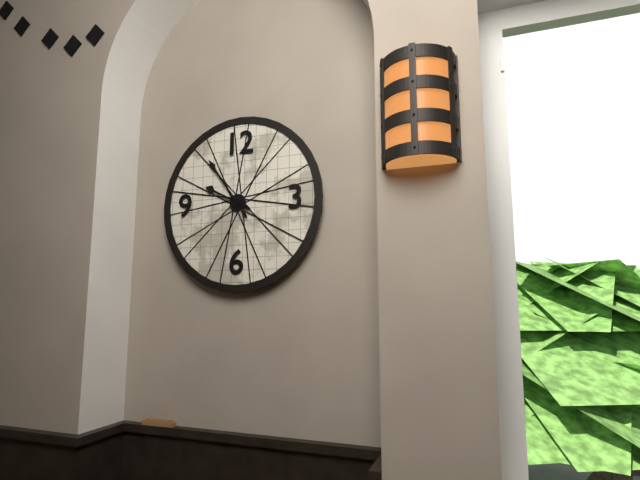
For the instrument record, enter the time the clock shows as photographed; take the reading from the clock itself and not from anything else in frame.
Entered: 9:54
